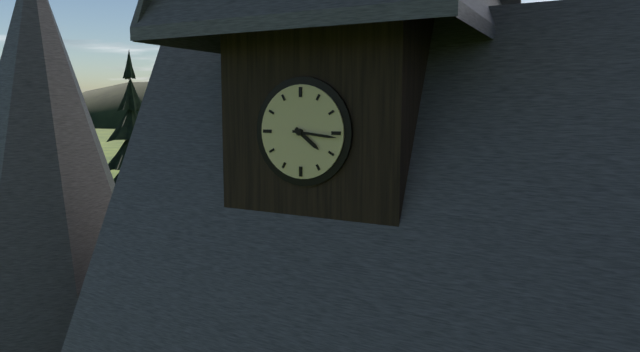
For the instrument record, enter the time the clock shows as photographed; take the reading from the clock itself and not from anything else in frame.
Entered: 4:16
